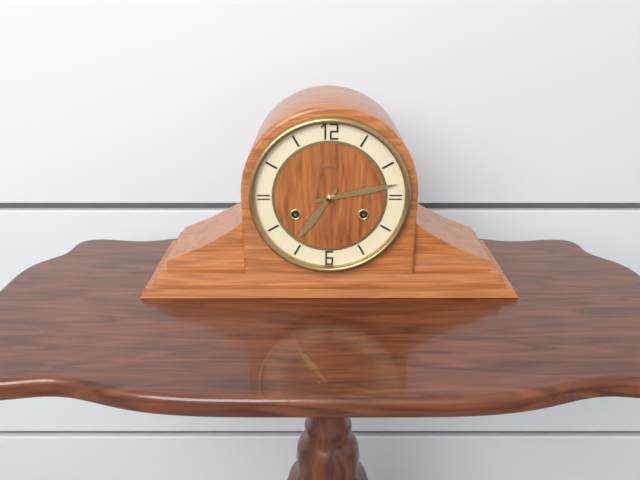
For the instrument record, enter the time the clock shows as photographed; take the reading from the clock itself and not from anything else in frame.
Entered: 7:13
